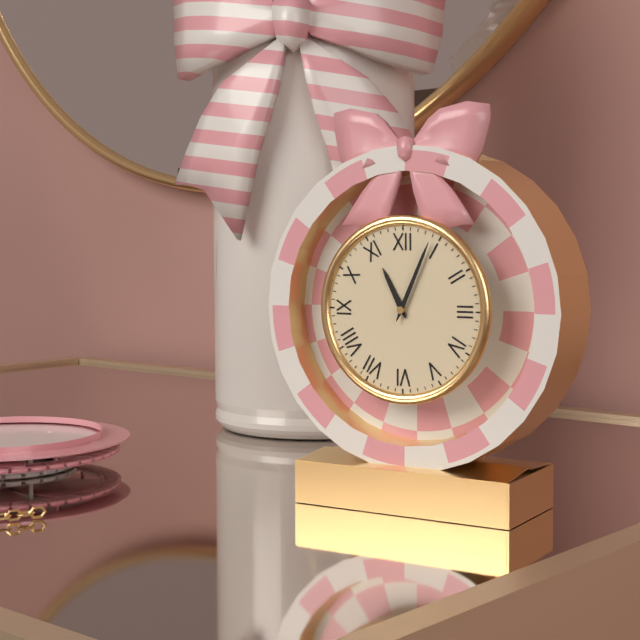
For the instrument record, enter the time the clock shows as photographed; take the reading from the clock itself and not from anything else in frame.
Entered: 11:04
